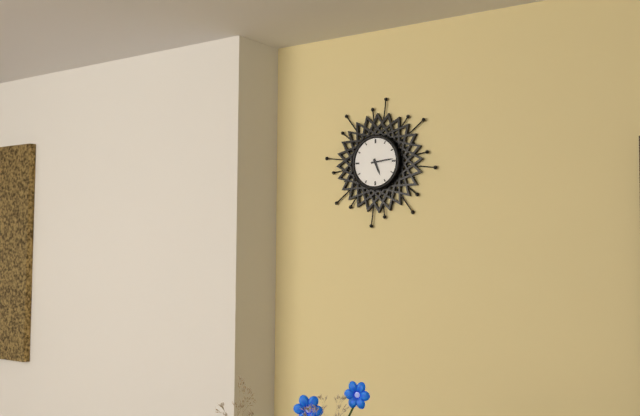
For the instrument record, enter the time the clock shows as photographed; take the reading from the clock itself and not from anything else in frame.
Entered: 5:14
